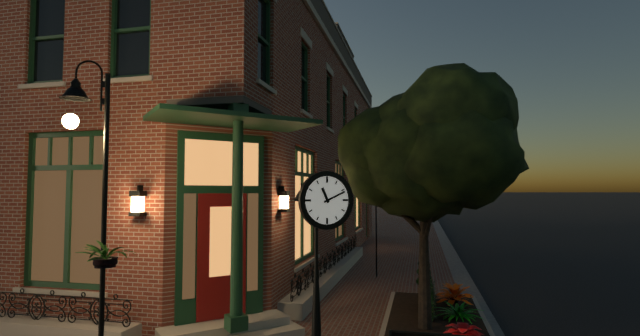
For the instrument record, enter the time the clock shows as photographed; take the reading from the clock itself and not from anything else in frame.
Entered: 11:11
